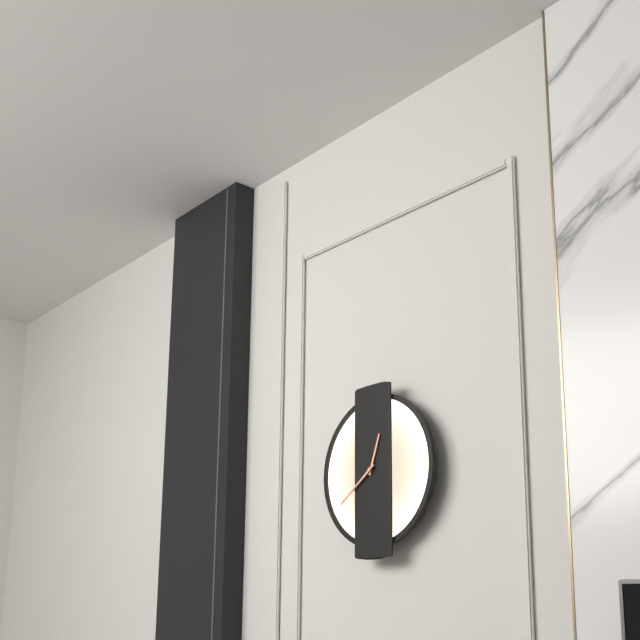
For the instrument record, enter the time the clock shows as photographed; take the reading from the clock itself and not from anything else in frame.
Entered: 12:39
